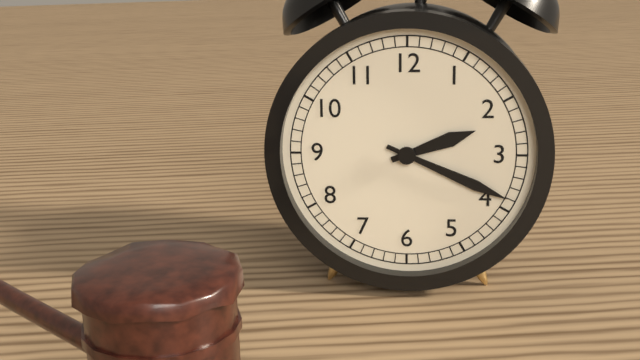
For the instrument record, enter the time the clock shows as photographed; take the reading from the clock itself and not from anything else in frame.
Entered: 2:19
